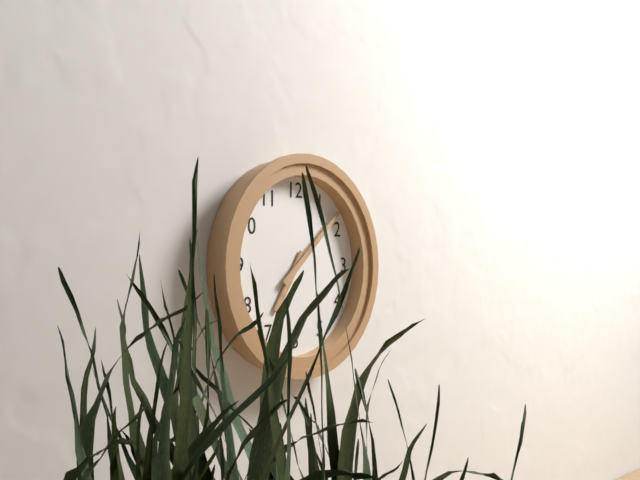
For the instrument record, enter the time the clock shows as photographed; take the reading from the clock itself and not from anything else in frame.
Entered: 7:08
